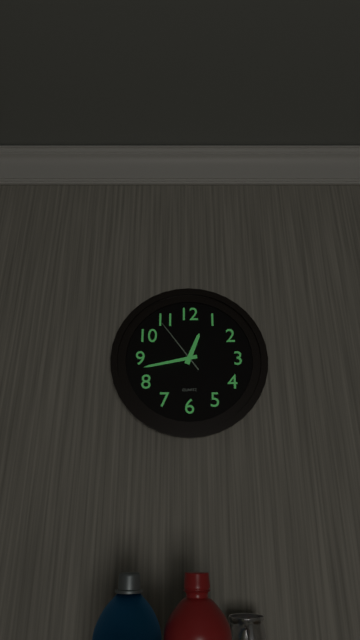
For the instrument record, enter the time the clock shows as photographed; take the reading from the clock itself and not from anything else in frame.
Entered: 12:43:54
